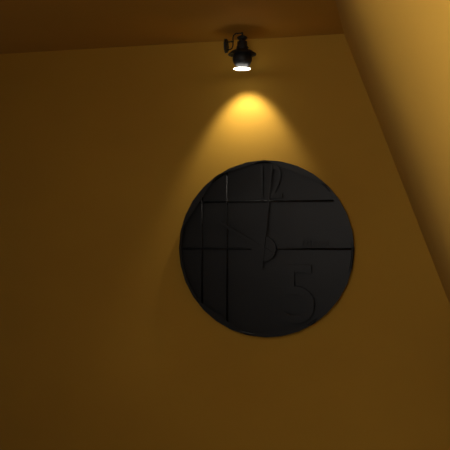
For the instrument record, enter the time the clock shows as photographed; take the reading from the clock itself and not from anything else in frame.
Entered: 10:01
